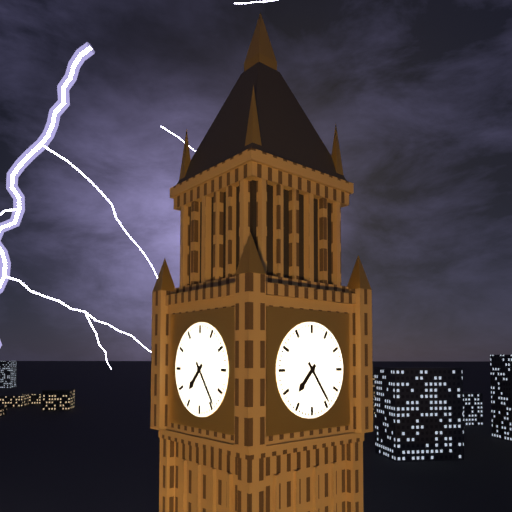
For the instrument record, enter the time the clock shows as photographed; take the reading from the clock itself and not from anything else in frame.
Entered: 7:24
